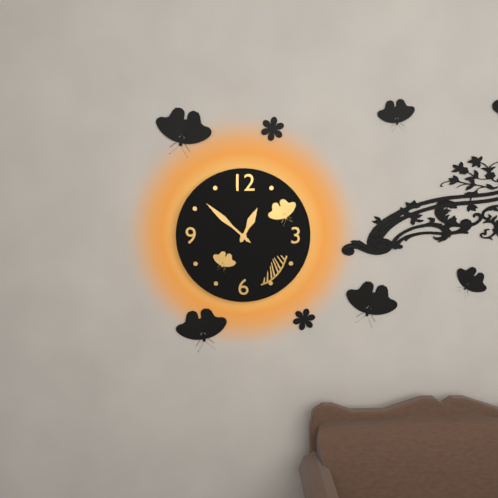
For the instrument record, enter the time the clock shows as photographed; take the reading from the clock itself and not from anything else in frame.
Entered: 12:52
